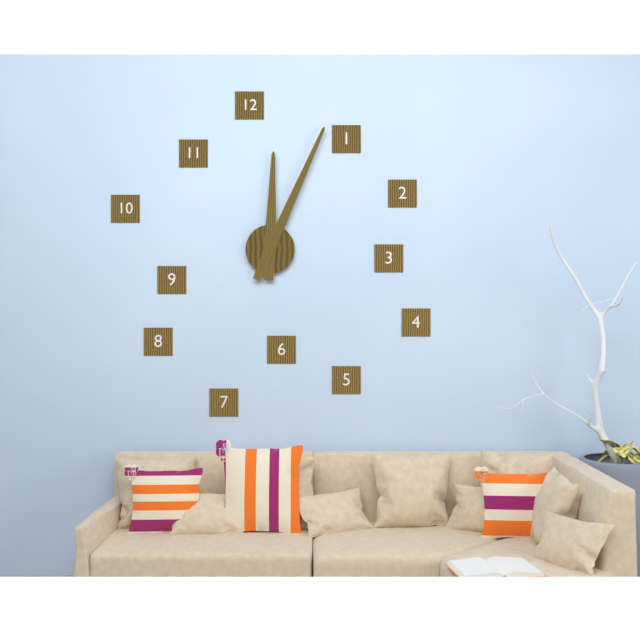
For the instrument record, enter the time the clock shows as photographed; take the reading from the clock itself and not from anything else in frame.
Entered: 12:04
